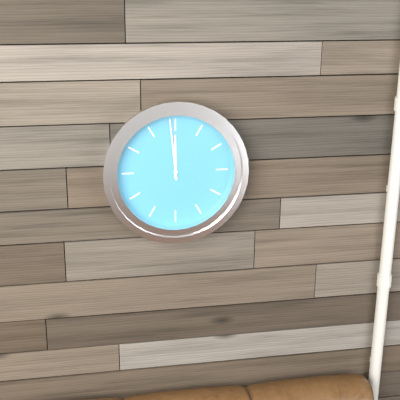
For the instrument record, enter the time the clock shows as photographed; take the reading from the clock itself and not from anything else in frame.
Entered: 11:59
